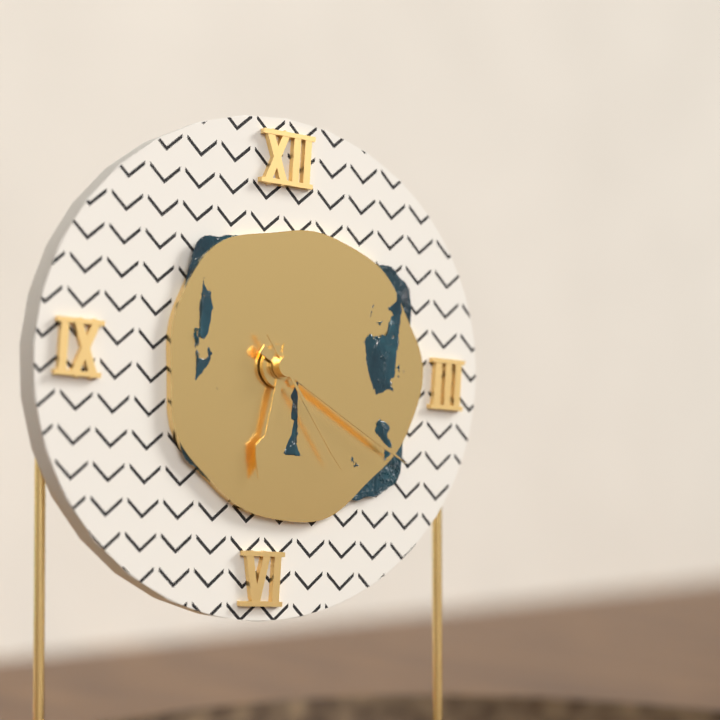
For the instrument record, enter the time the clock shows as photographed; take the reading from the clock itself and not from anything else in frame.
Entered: 6:20:24
